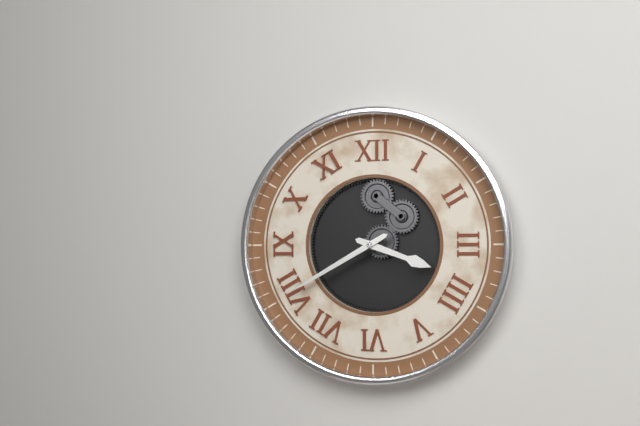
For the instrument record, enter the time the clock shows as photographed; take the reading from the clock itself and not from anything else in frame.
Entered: 3:40
